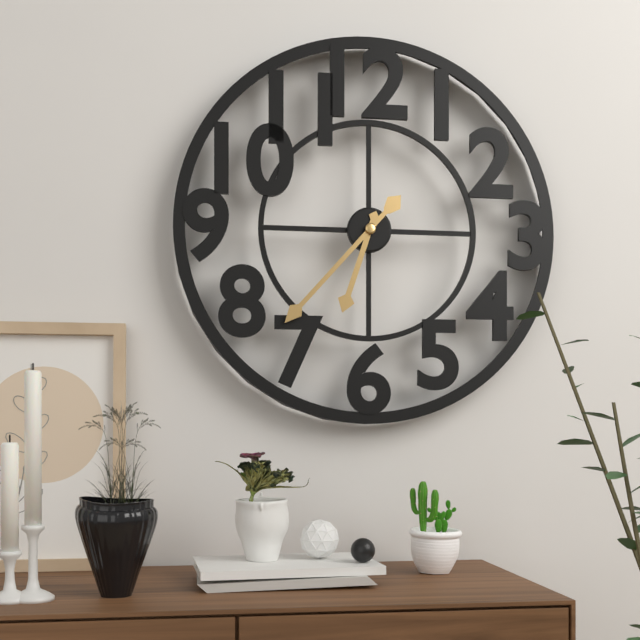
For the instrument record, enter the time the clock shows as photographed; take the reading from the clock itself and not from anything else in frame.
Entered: 6:37
